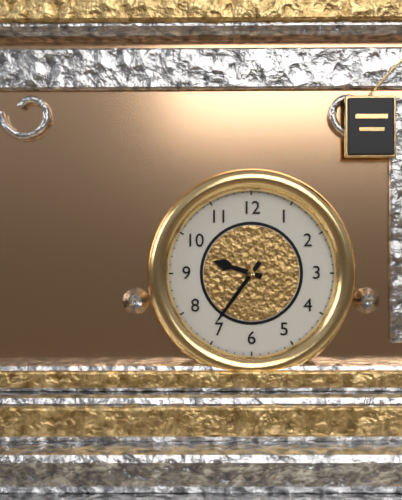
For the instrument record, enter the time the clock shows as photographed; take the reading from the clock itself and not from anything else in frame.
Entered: 9:36
